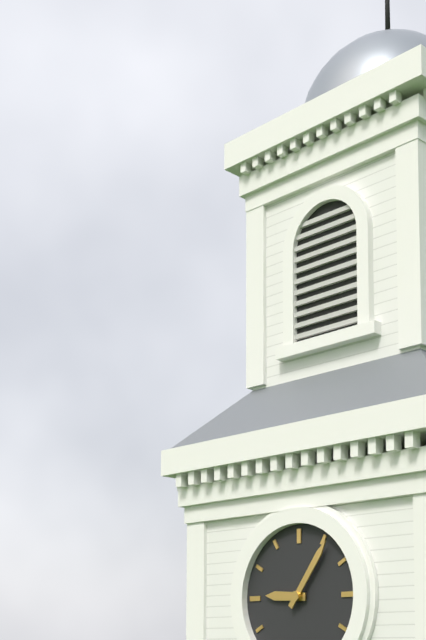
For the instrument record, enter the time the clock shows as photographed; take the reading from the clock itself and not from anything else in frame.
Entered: 9:06
